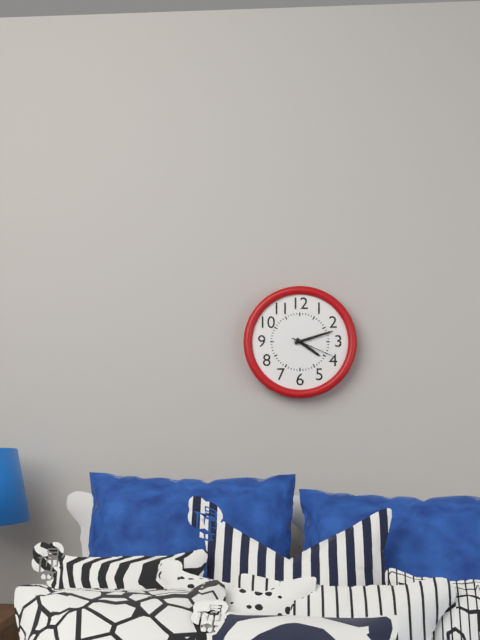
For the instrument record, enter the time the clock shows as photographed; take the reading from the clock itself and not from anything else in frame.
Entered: 4:12
